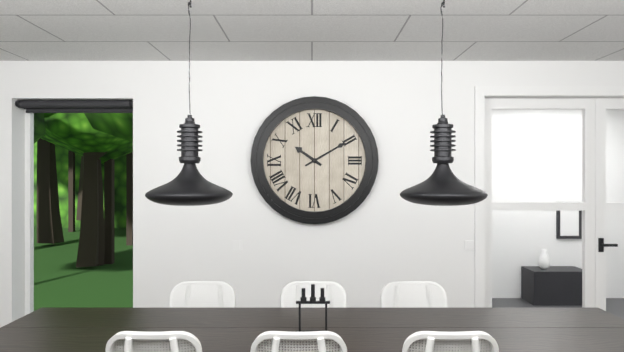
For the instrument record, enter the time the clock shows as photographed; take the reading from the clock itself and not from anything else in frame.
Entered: 10:10
